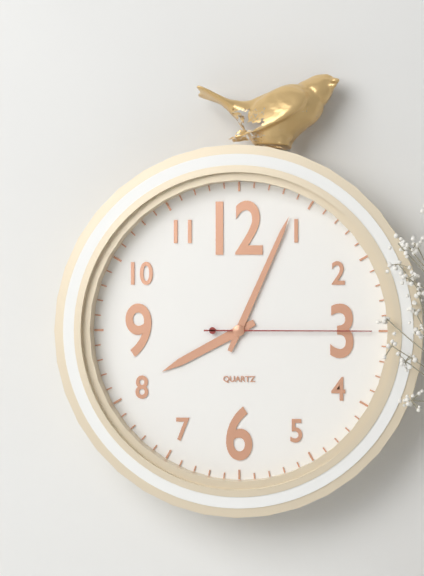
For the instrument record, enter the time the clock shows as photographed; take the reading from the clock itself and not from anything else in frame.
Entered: 8:04:15
